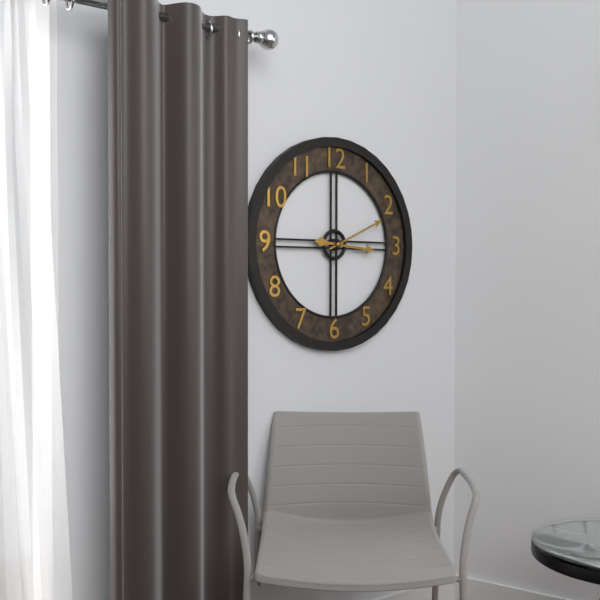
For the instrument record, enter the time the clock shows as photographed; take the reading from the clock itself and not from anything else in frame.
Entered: 3:11
